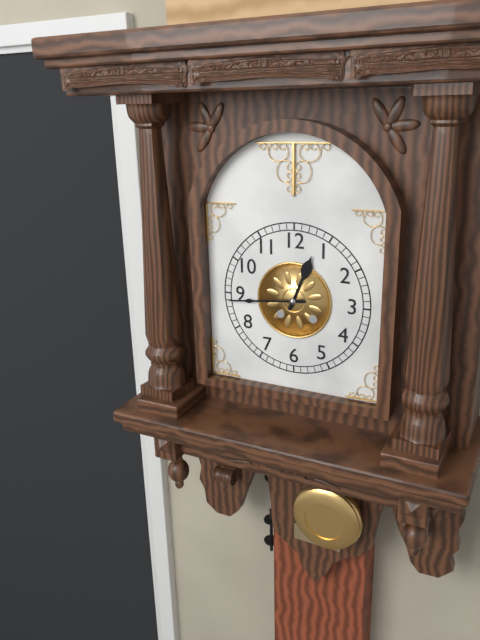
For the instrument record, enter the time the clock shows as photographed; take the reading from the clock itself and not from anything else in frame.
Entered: 12:44
